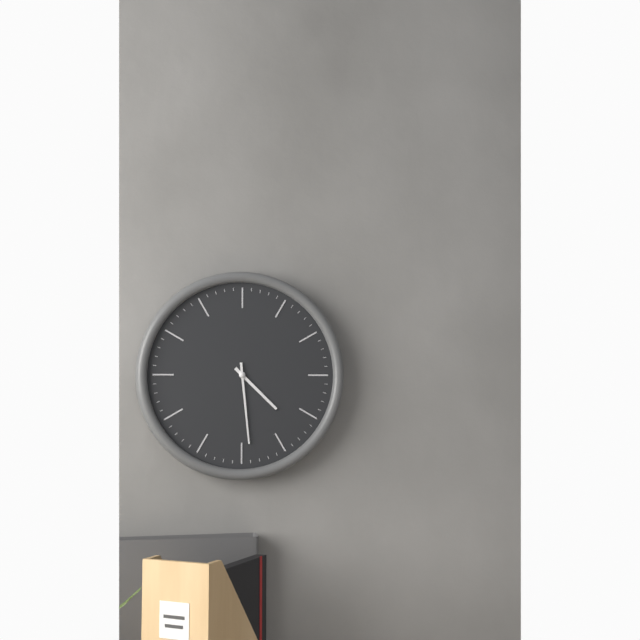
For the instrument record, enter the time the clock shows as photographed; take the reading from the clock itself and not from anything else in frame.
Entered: 4:29
